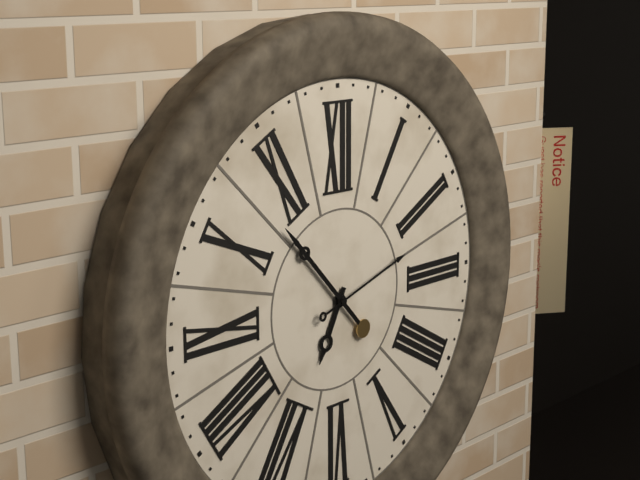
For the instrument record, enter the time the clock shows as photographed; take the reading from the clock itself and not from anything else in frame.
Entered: 6:53:12
